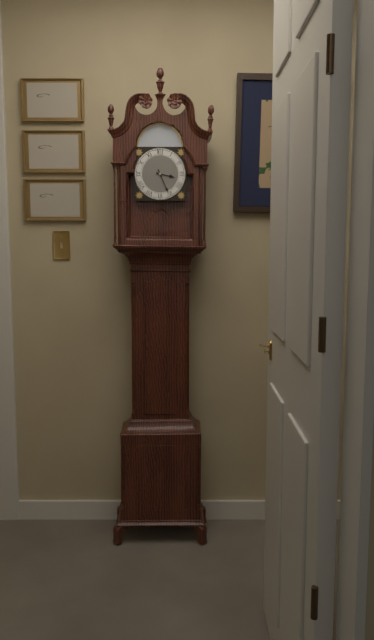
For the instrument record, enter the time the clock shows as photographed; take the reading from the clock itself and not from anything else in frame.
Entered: 3:26
